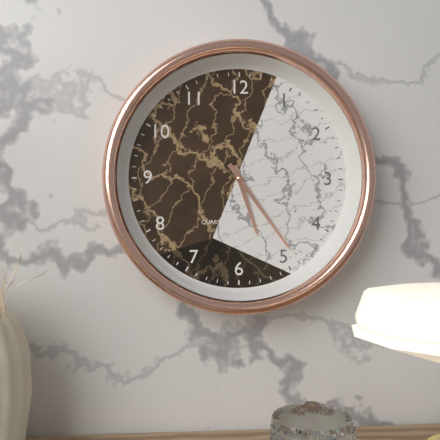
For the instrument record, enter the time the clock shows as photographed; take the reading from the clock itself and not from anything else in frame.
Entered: 5:24
